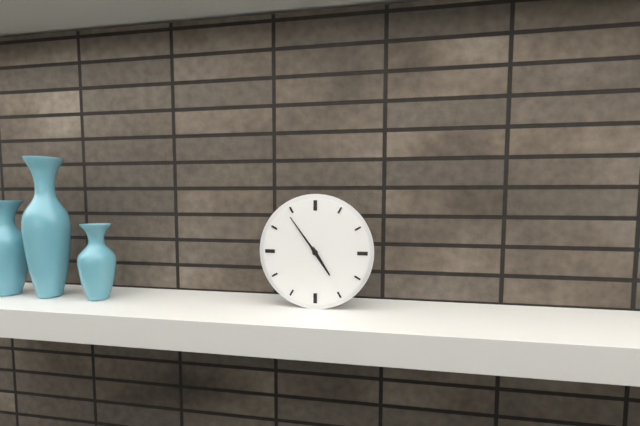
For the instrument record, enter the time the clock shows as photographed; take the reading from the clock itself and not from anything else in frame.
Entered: 4:54
